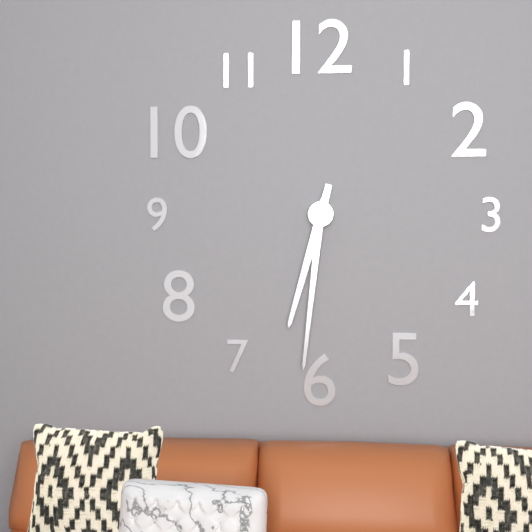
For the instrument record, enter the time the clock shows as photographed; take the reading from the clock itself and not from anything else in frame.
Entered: 6:31
